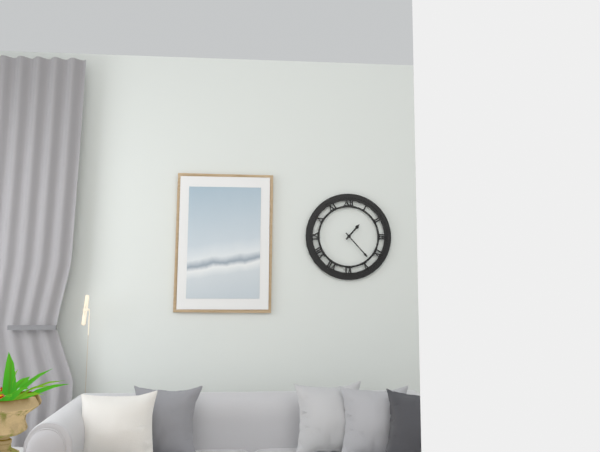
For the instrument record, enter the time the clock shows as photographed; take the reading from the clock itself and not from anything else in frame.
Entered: 1:23
